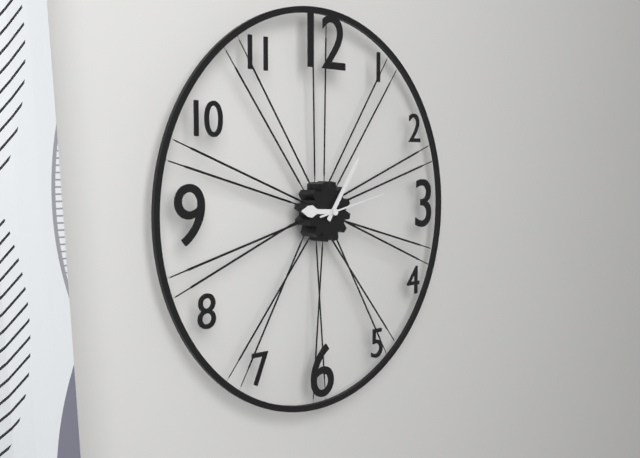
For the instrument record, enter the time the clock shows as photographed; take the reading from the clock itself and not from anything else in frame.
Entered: 9:06:13
